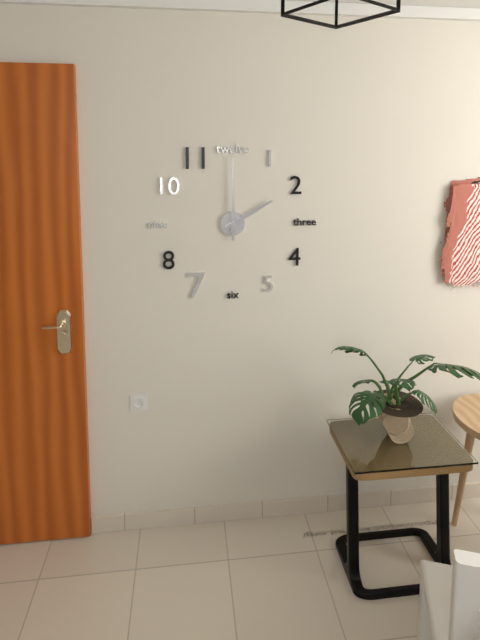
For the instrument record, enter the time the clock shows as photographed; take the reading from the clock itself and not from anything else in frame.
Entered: 2:00
